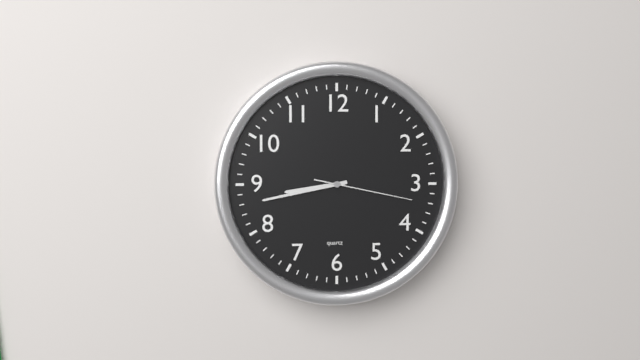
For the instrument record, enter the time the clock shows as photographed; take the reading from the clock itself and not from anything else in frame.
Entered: 8:43:17
